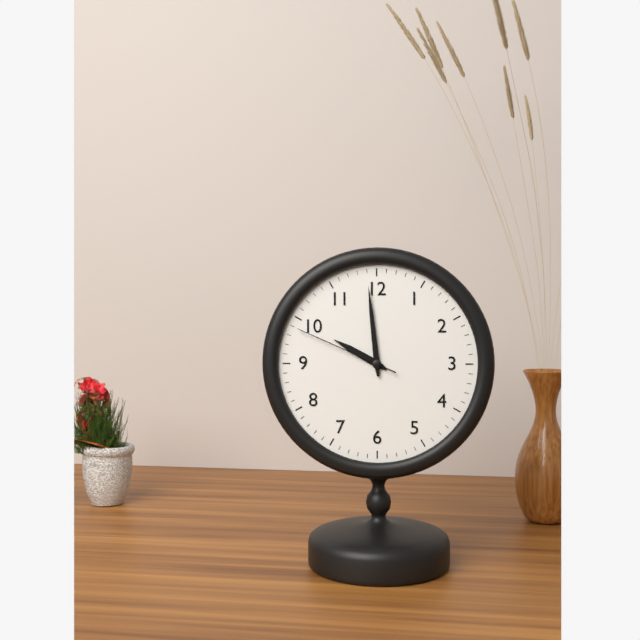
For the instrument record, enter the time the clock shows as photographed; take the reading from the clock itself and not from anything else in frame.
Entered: 9:59:49
